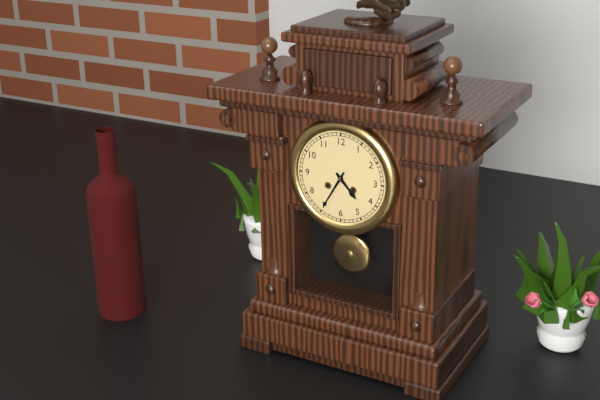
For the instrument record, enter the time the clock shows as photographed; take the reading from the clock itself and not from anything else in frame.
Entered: 4:35
